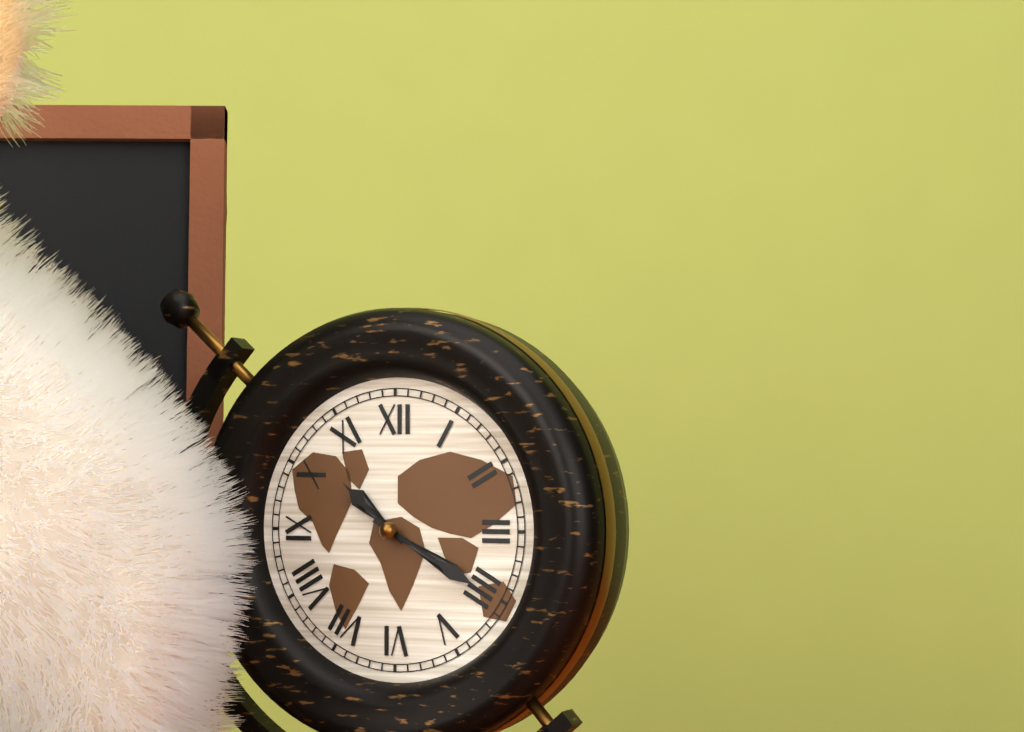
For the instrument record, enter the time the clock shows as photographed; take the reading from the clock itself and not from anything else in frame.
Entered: 10:20
